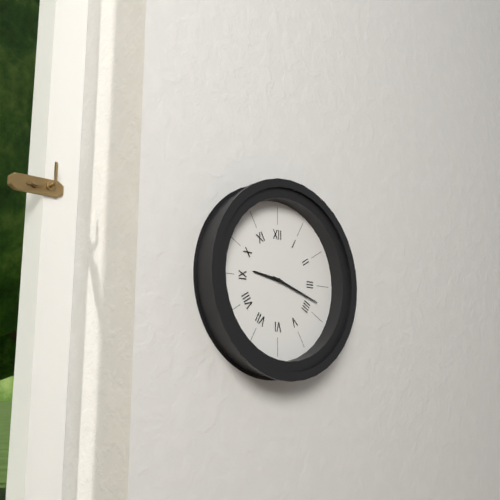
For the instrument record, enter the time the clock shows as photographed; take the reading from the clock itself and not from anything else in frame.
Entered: 9:18
